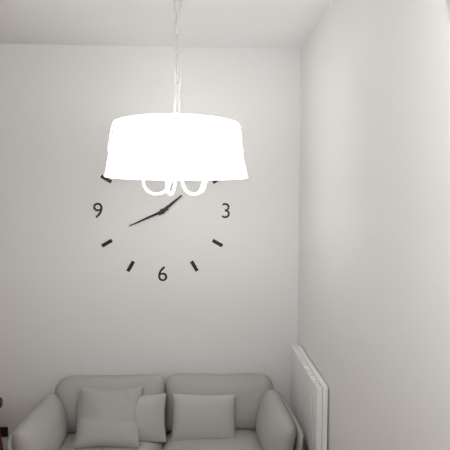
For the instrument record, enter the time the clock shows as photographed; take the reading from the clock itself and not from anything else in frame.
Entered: 1:41
